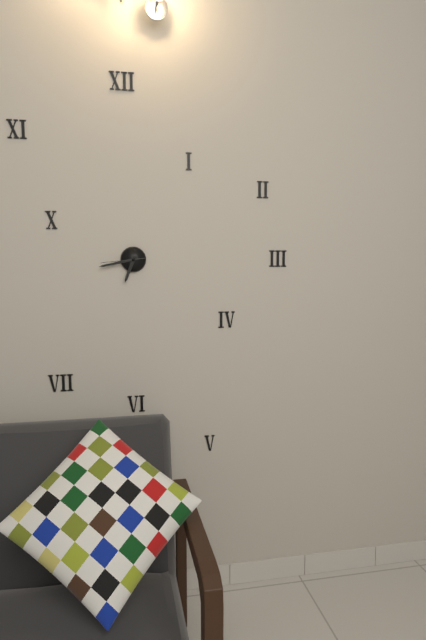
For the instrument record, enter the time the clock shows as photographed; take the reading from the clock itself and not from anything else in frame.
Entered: 6:43
